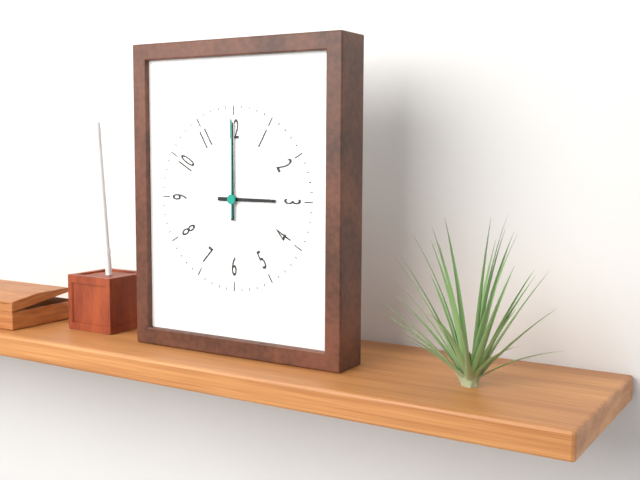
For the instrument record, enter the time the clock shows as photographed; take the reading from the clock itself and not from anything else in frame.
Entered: 3:00:00
